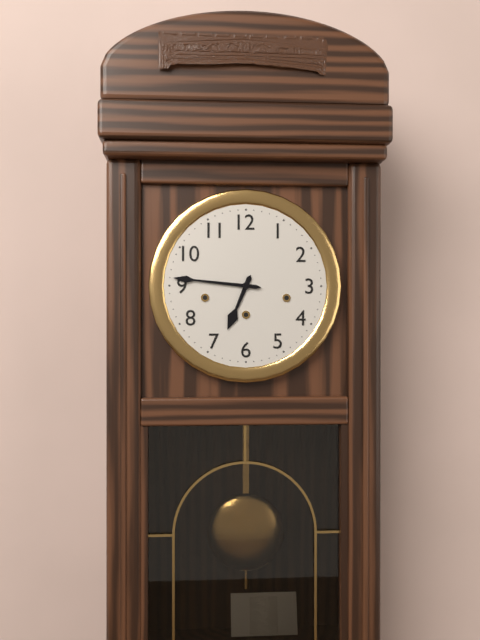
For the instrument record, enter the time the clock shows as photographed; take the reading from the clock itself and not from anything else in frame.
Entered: 6:46
